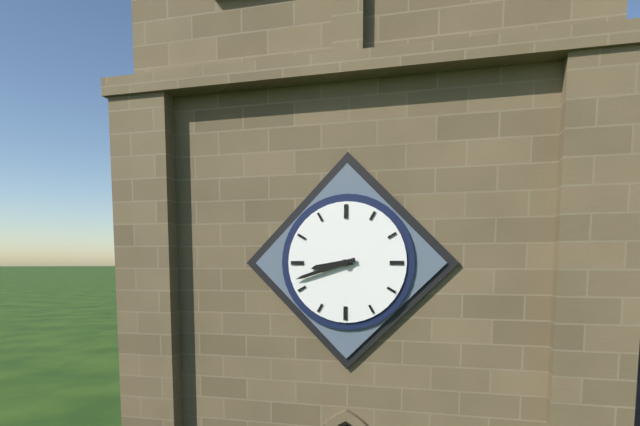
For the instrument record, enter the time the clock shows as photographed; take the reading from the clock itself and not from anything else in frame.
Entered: 8:42
